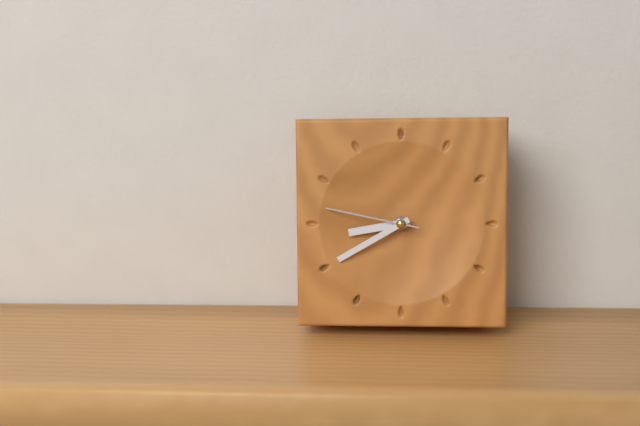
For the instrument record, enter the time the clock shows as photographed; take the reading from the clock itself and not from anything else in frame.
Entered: 8:40:47
